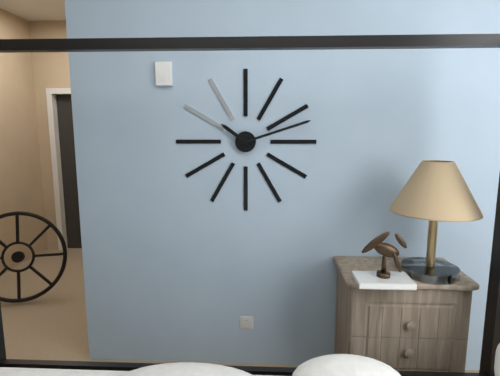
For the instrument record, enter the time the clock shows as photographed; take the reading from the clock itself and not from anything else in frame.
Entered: 10:12
